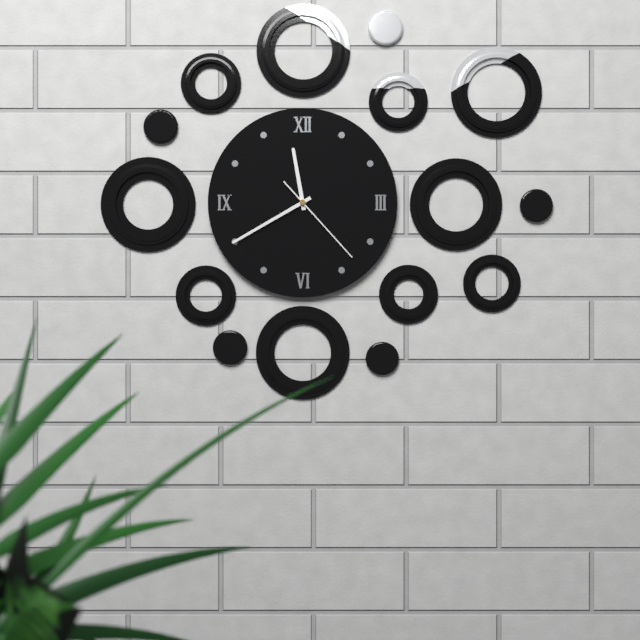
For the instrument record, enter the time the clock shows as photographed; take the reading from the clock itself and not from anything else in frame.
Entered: 11:40:23
